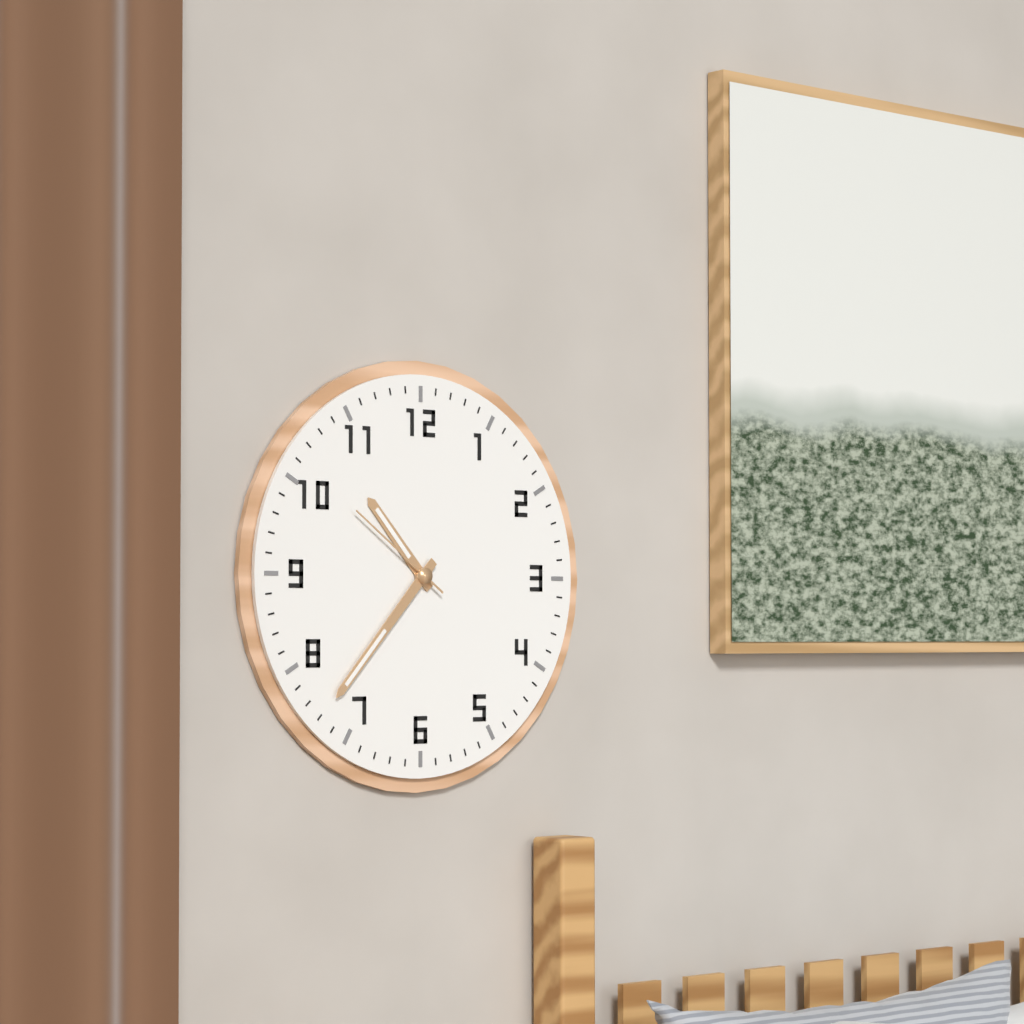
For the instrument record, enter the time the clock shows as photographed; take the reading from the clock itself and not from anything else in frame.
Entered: 10:37:51
